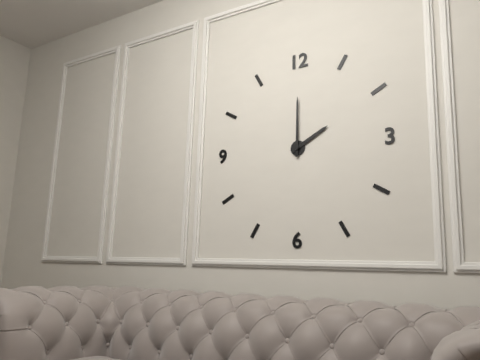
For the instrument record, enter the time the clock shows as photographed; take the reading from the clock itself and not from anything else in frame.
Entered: 2:00
